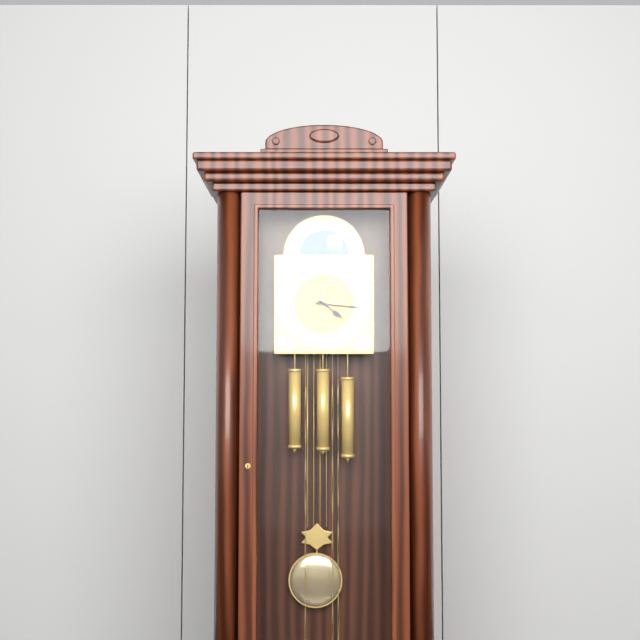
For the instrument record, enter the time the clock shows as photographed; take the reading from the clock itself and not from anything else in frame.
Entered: 4:16
